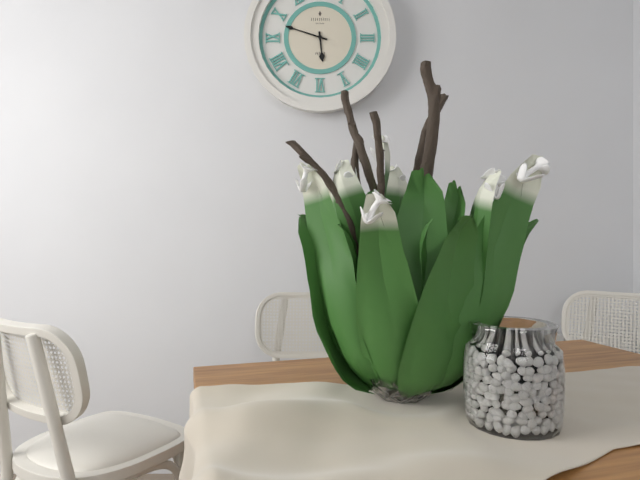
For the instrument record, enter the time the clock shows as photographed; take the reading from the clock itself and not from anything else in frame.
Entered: 5:48
